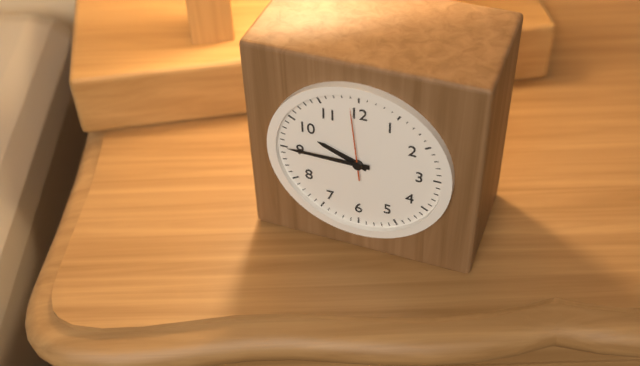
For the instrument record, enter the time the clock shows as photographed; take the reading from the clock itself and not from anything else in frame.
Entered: 9:45:59
